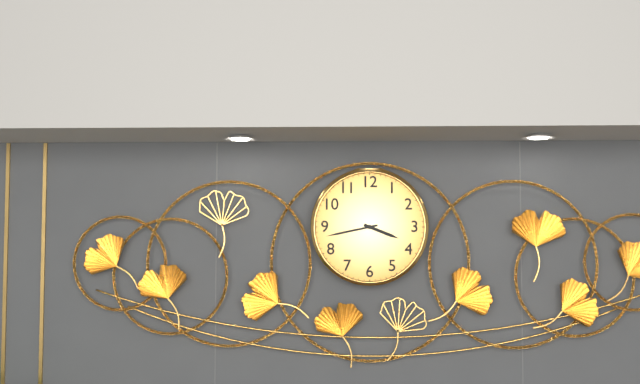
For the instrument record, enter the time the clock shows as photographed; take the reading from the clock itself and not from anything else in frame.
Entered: 3:43
